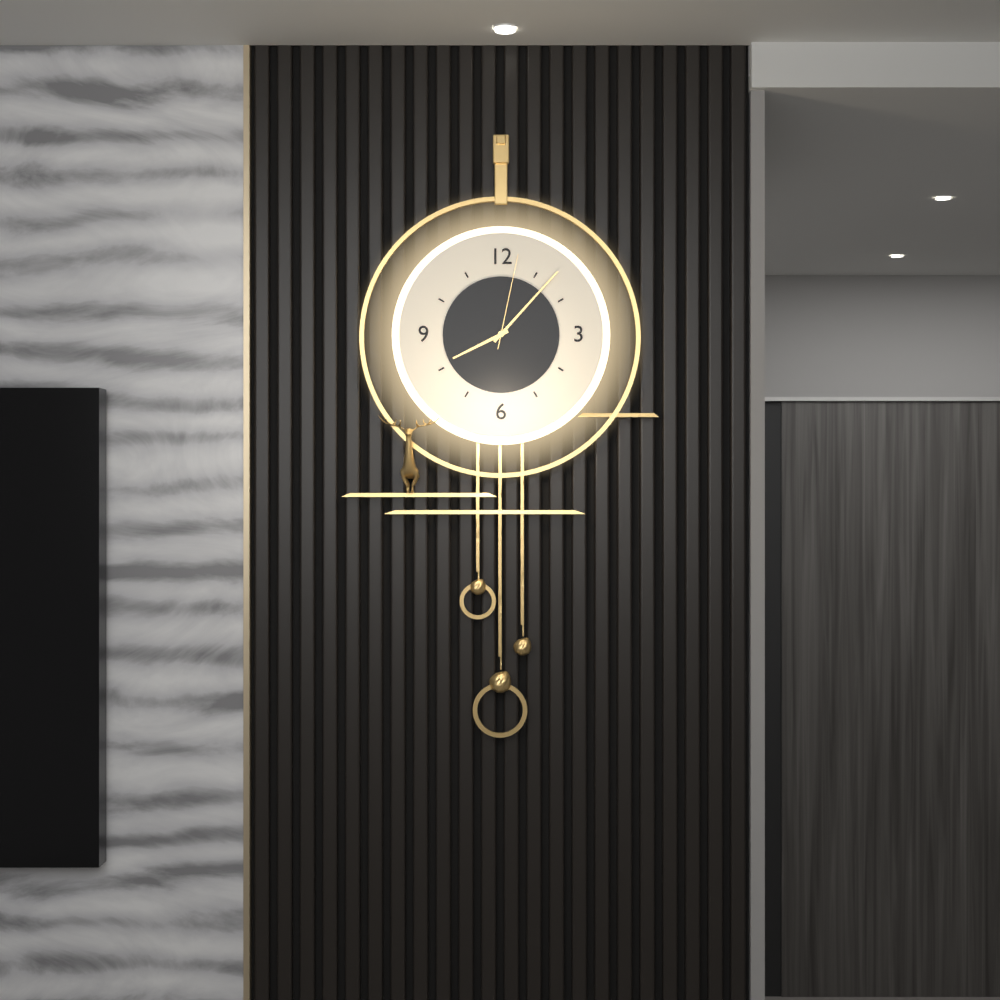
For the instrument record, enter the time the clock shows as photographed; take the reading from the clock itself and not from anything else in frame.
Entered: 8:07:02
